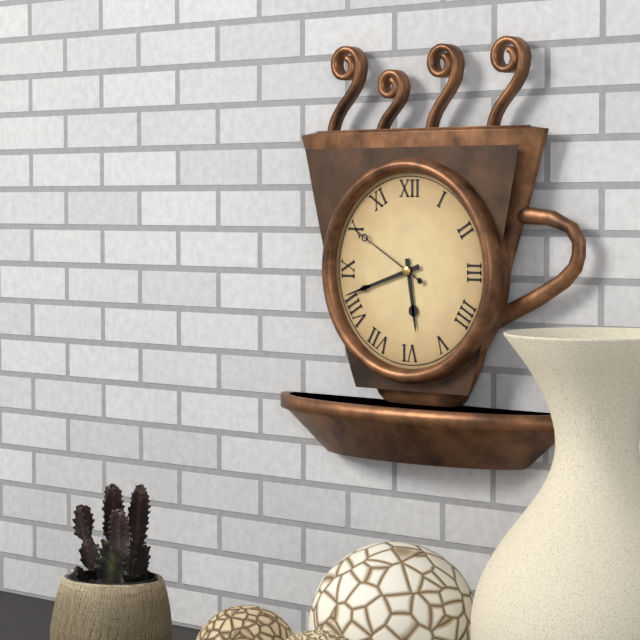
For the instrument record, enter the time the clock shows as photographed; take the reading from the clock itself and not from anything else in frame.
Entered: 5:42:50
